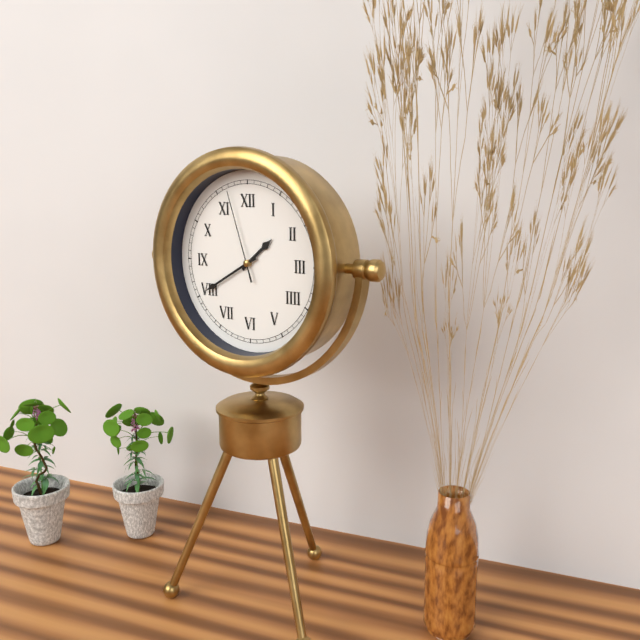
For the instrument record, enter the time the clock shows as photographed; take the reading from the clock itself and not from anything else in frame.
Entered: 1:40:57
